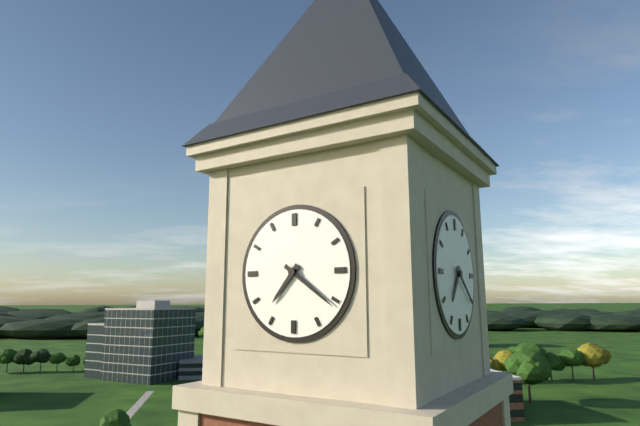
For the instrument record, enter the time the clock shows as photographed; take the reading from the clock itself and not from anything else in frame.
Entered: 7:21
